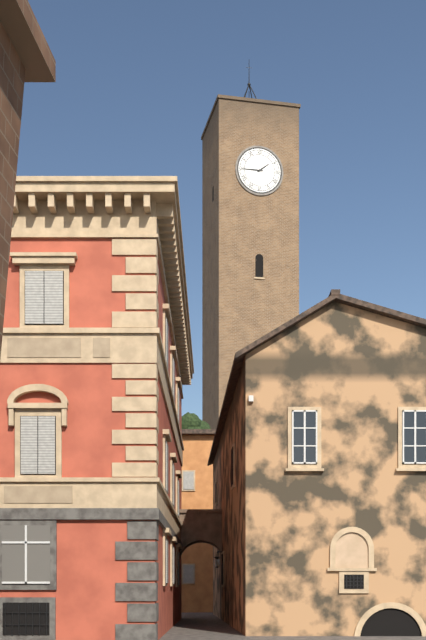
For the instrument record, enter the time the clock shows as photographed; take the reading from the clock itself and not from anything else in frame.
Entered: 1:45
